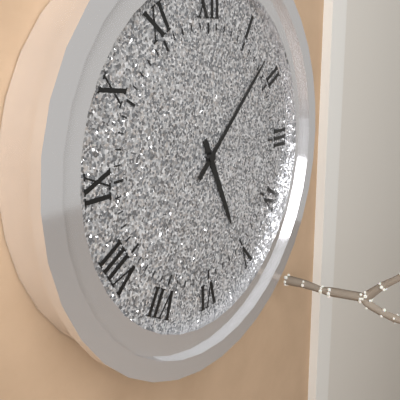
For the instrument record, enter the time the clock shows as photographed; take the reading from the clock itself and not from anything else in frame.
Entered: 5:08
